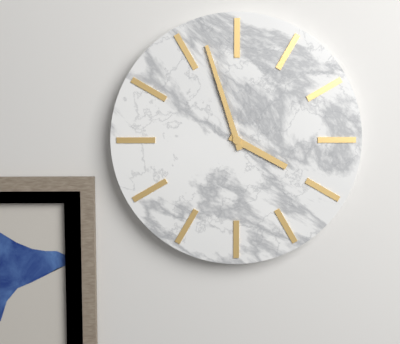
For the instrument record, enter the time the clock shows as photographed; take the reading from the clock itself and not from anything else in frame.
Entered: 3:57
